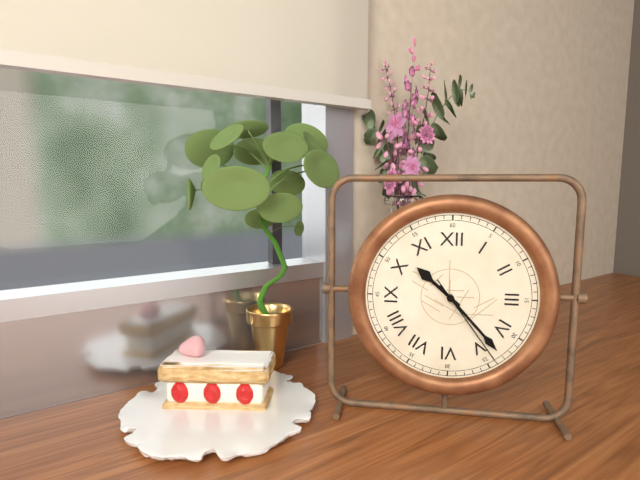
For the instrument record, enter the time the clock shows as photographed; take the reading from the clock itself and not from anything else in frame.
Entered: 10:23:24
